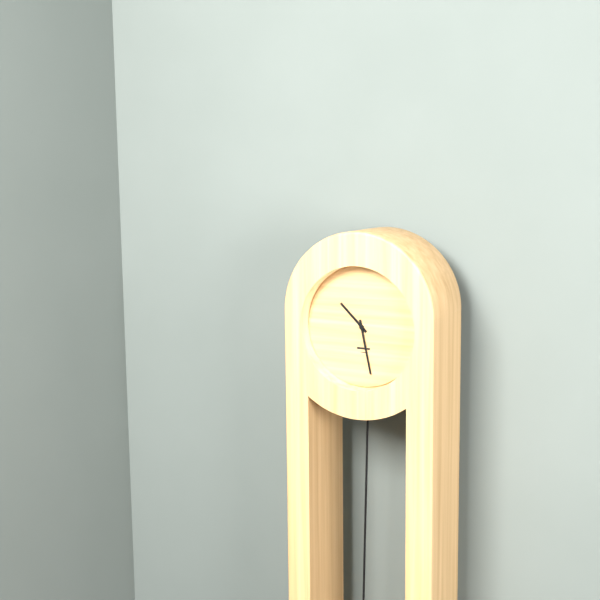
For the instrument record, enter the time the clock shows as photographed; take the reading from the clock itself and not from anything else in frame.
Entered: 10:28
